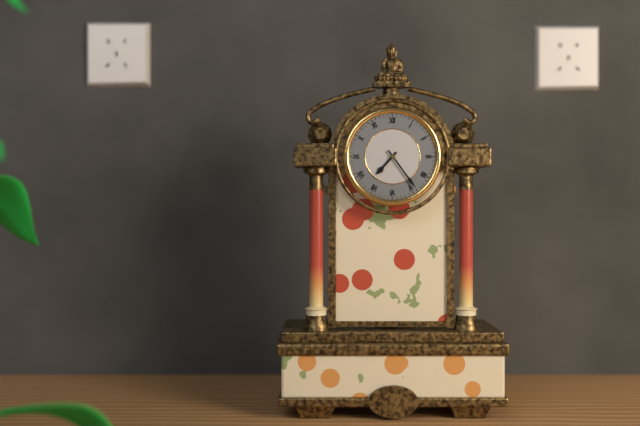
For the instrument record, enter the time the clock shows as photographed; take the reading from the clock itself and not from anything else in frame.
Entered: 7:24
